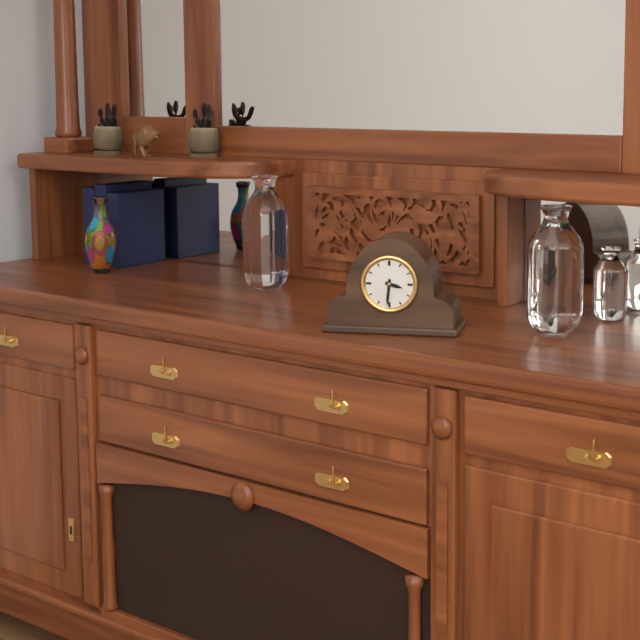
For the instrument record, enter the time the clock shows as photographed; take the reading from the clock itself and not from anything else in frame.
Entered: 3:31
